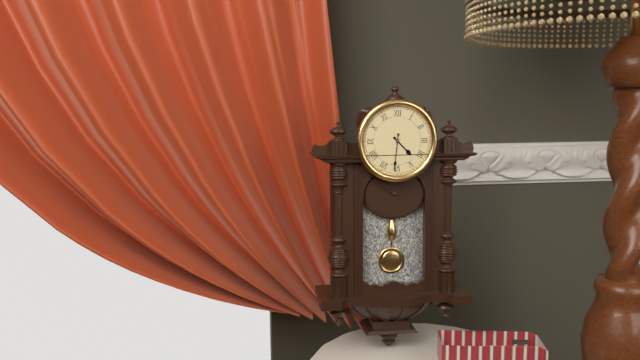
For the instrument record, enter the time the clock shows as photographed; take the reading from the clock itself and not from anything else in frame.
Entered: 4:31
